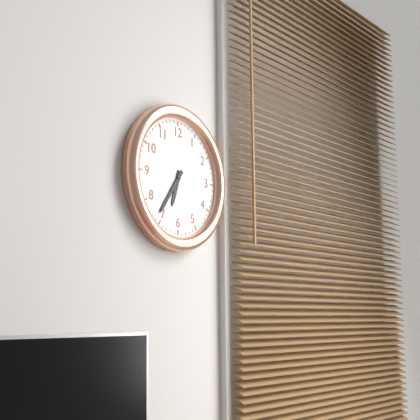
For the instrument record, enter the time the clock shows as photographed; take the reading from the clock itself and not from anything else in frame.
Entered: 6:36
